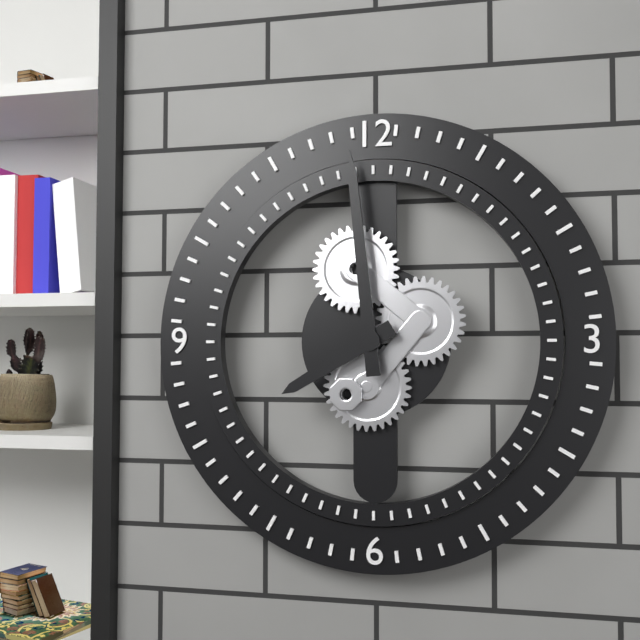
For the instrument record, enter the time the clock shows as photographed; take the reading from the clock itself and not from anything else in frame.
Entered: 7:59
